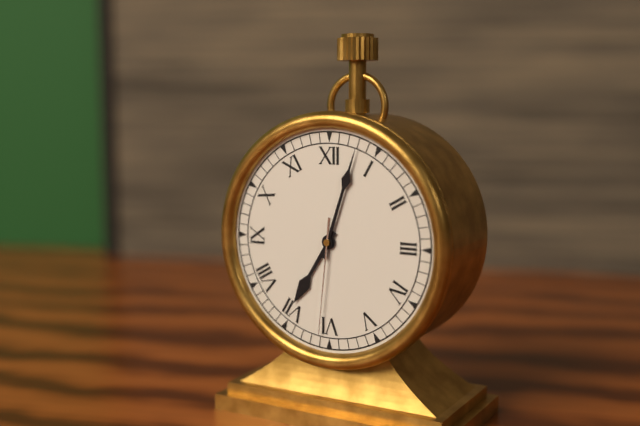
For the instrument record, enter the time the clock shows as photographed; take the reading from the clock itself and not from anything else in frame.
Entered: 7:03:31
